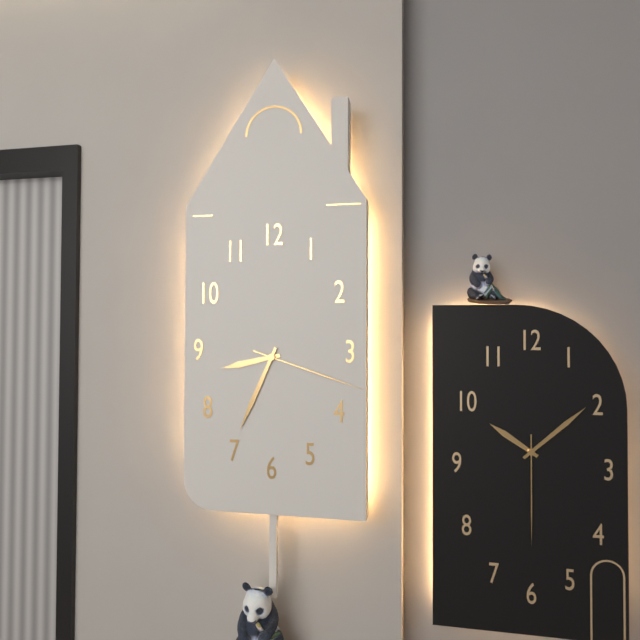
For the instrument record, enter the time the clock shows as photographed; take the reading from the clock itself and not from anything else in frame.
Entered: 8:34:18
